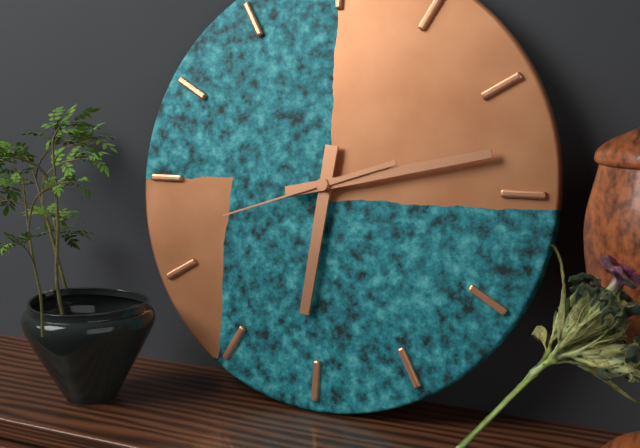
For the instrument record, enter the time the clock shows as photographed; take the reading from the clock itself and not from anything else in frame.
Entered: 6:13:42
